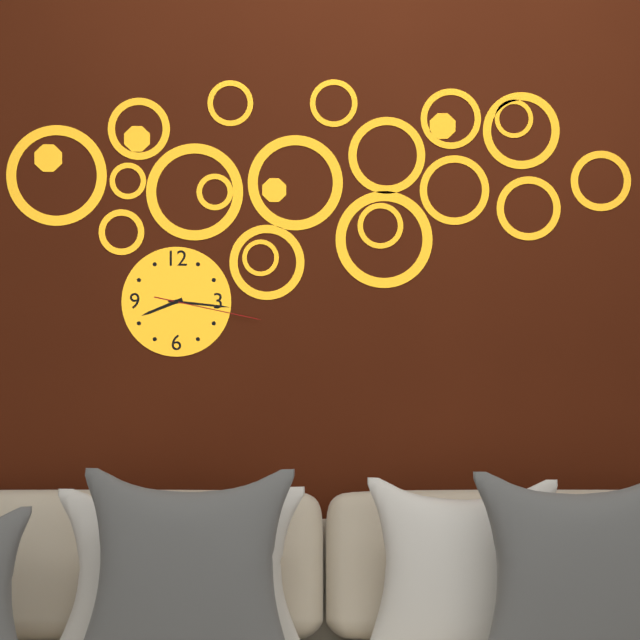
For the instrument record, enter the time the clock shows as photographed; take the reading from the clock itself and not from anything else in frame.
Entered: 8:16:17
